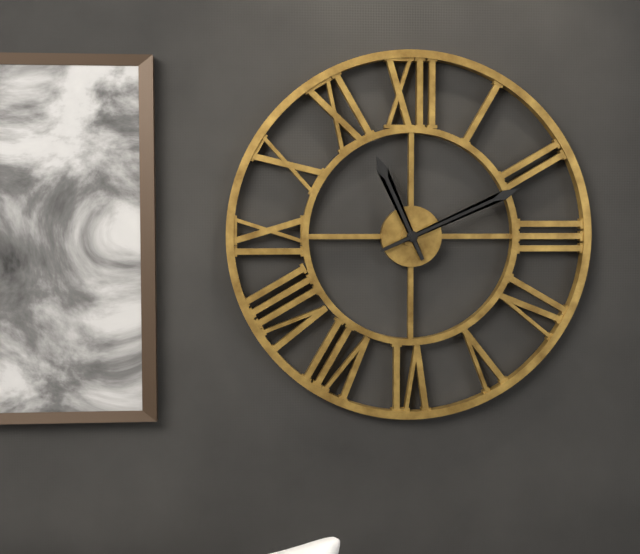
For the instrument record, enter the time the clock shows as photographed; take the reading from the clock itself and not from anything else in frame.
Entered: 11:11
